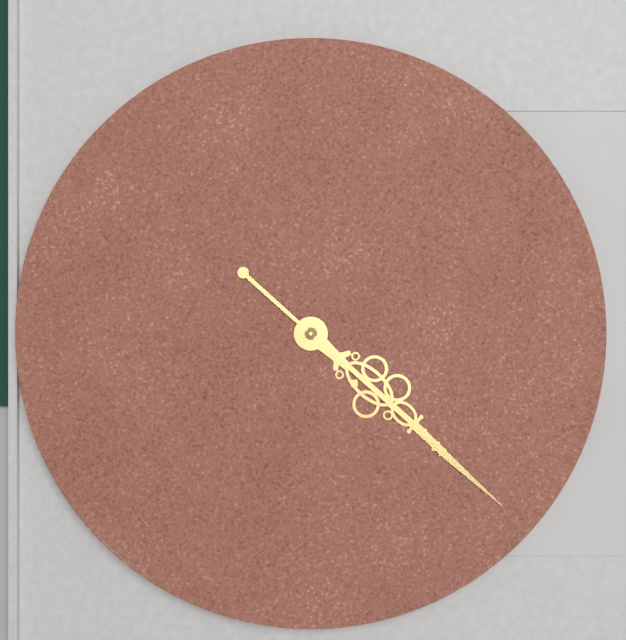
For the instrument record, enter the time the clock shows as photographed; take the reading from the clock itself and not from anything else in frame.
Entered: 4:22:22
